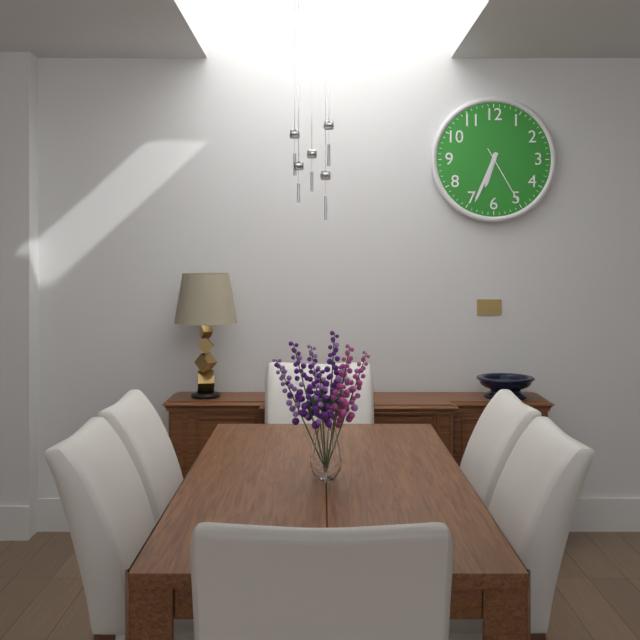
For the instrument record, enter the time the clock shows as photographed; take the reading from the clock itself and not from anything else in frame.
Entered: 6:34:25
